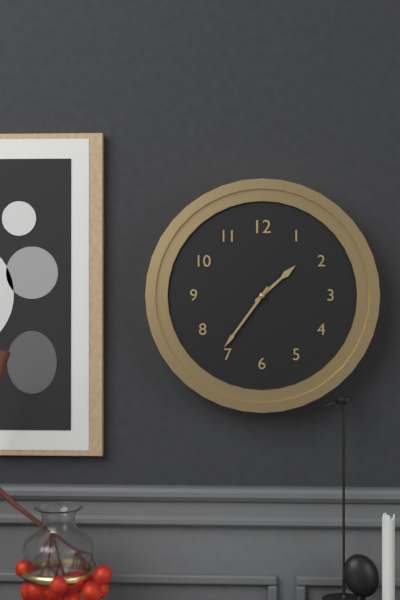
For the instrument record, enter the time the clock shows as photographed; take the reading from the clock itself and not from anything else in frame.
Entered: 1:36
